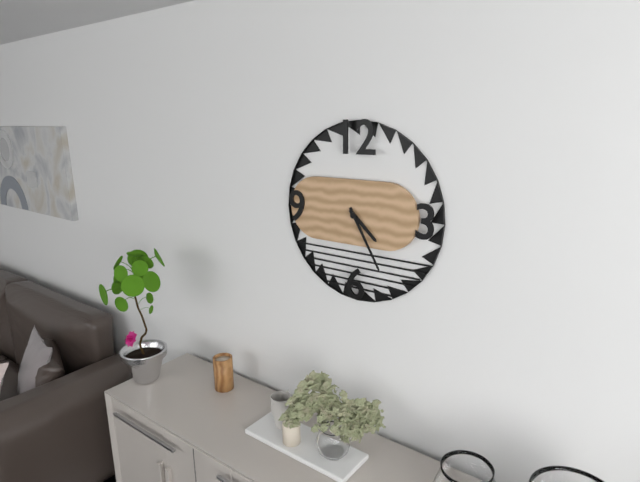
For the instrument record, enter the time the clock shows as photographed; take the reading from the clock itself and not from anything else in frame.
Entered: 4:25
